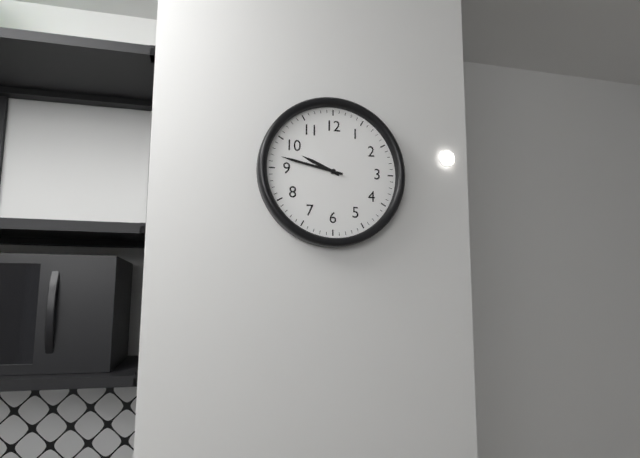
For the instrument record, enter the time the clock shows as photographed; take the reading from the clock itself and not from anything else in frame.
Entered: 9:47
